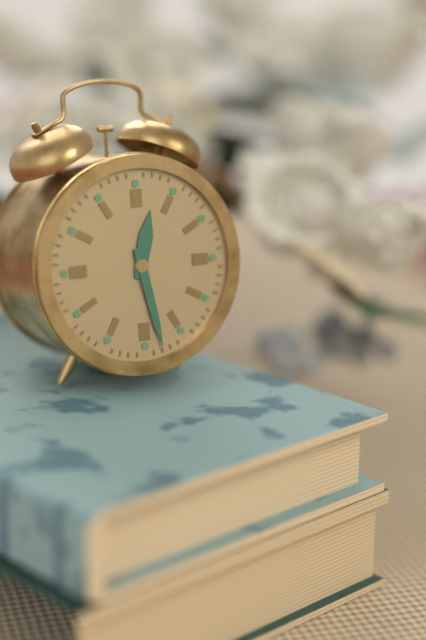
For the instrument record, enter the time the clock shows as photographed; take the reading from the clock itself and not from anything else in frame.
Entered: 12:28
